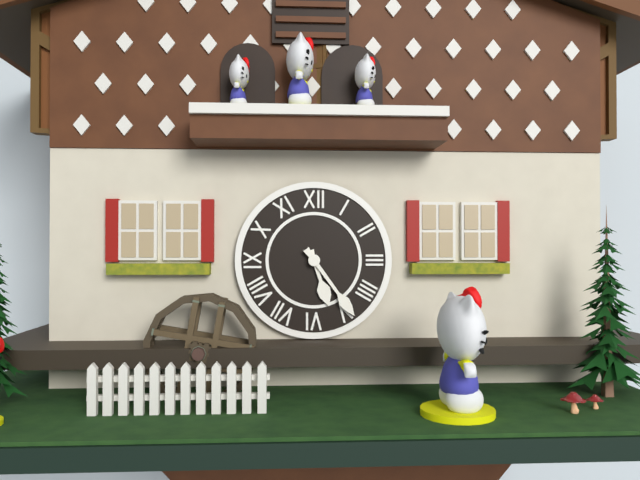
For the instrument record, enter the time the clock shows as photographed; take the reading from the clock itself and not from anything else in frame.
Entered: 5:24
